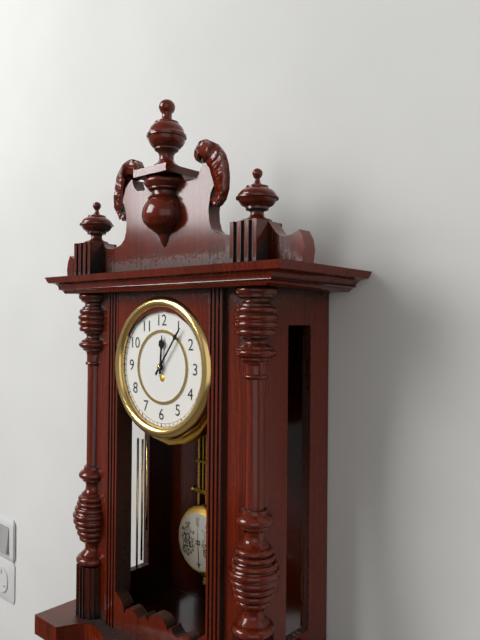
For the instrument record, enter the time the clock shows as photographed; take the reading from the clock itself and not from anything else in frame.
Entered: 12:06
